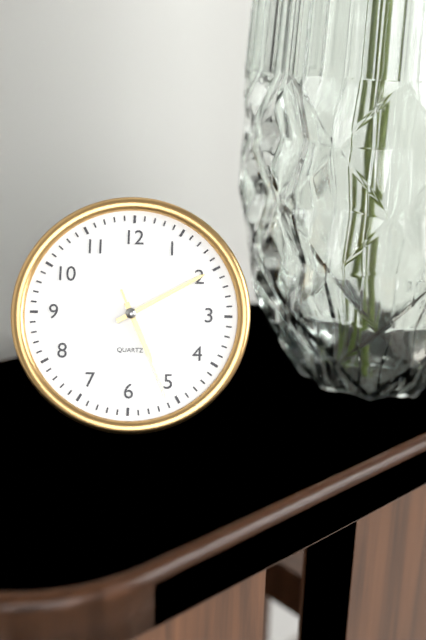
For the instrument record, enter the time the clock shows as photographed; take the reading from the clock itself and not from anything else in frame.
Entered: 5:10:26
